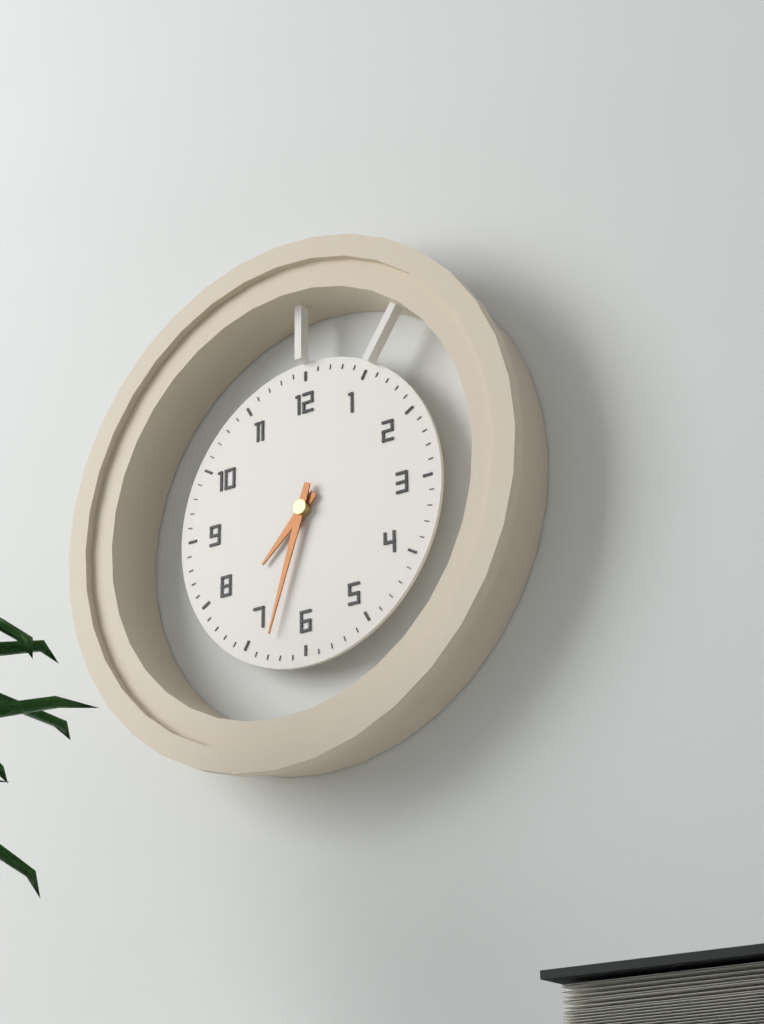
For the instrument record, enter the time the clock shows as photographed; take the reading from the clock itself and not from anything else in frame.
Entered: 7:33
